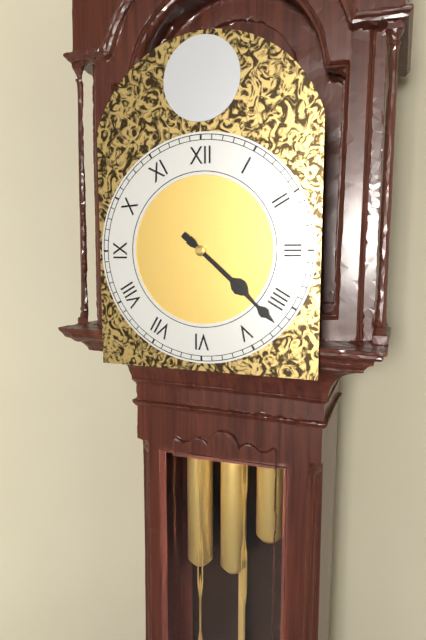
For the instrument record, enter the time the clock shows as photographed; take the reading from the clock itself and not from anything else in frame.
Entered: 4:22
